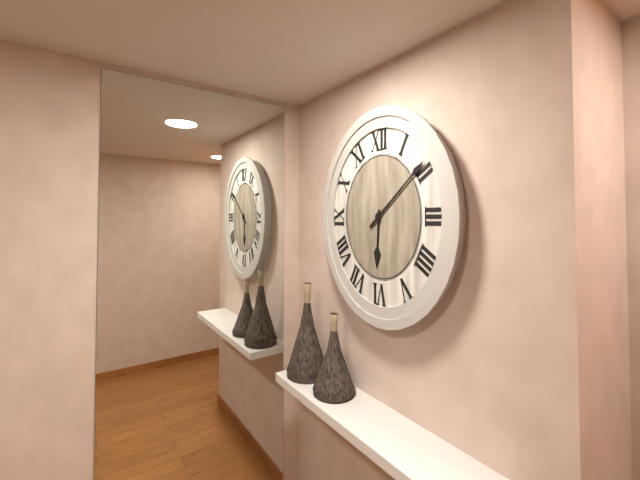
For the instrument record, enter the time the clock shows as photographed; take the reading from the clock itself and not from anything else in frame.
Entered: 6:09
